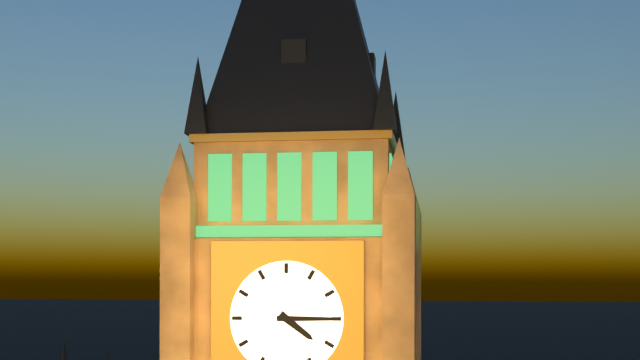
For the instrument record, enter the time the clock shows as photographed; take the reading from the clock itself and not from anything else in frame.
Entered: 4:15
